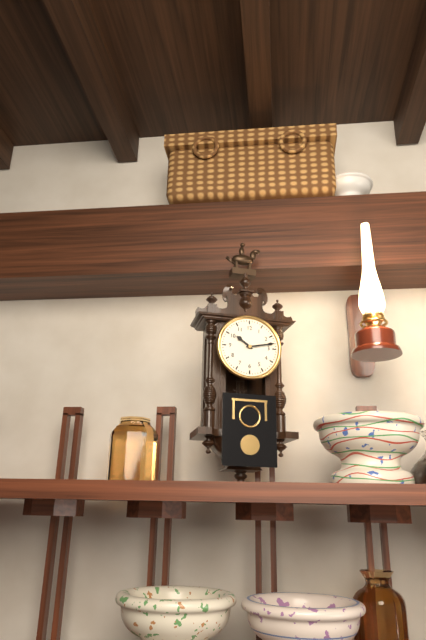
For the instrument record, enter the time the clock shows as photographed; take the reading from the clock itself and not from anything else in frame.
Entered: 10:13
